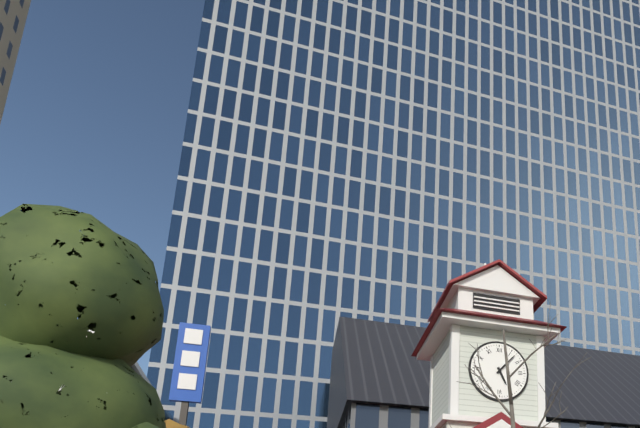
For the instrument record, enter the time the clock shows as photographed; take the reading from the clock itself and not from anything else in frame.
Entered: 5:07
